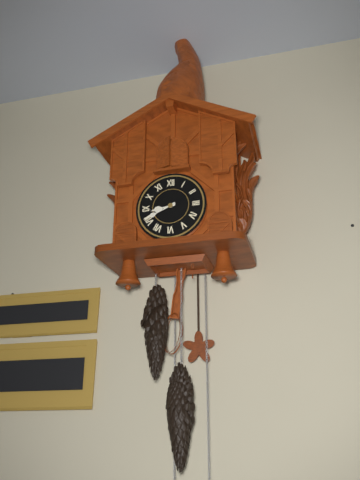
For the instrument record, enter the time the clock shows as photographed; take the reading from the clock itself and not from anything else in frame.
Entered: 8:41
